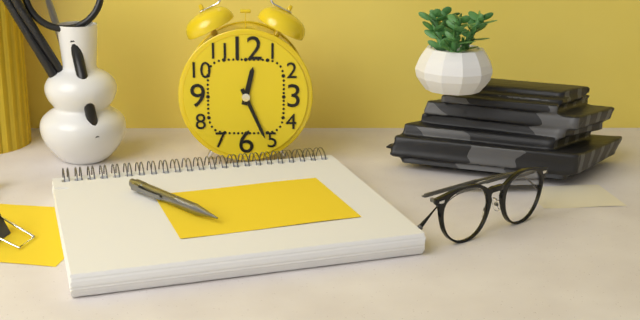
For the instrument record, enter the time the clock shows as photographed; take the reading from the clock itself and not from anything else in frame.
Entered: 12:26
